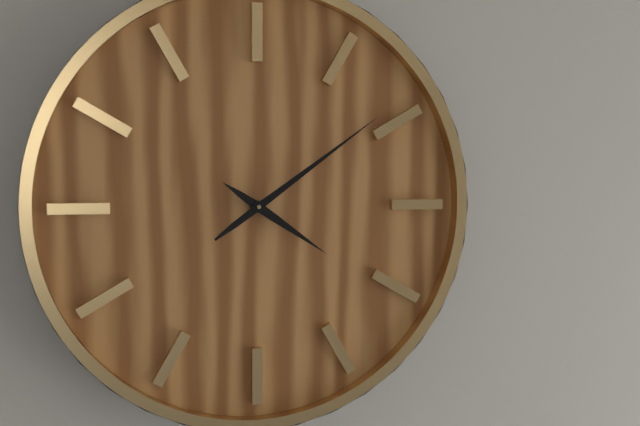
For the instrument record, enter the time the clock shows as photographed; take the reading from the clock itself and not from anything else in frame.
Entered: 4:09
